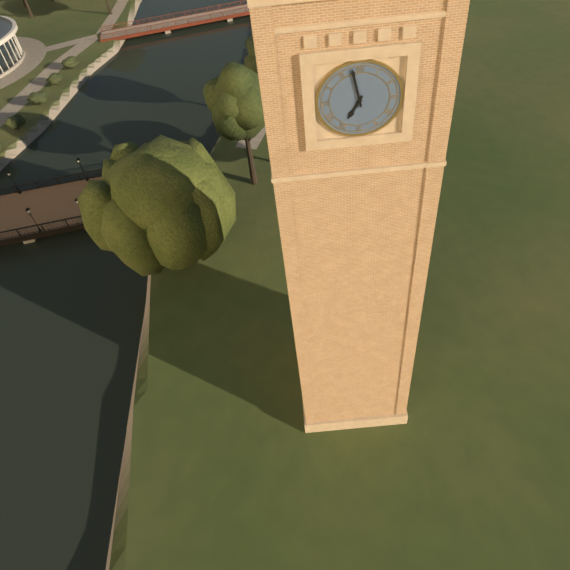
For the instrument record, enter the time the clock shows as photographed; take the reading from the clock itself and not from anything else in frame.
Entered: 6:58
